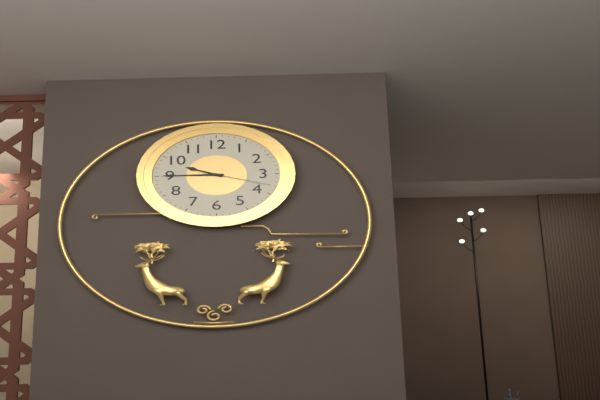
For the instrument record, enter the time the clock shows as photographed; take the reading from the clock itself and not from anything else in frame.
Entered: 9:45:18
